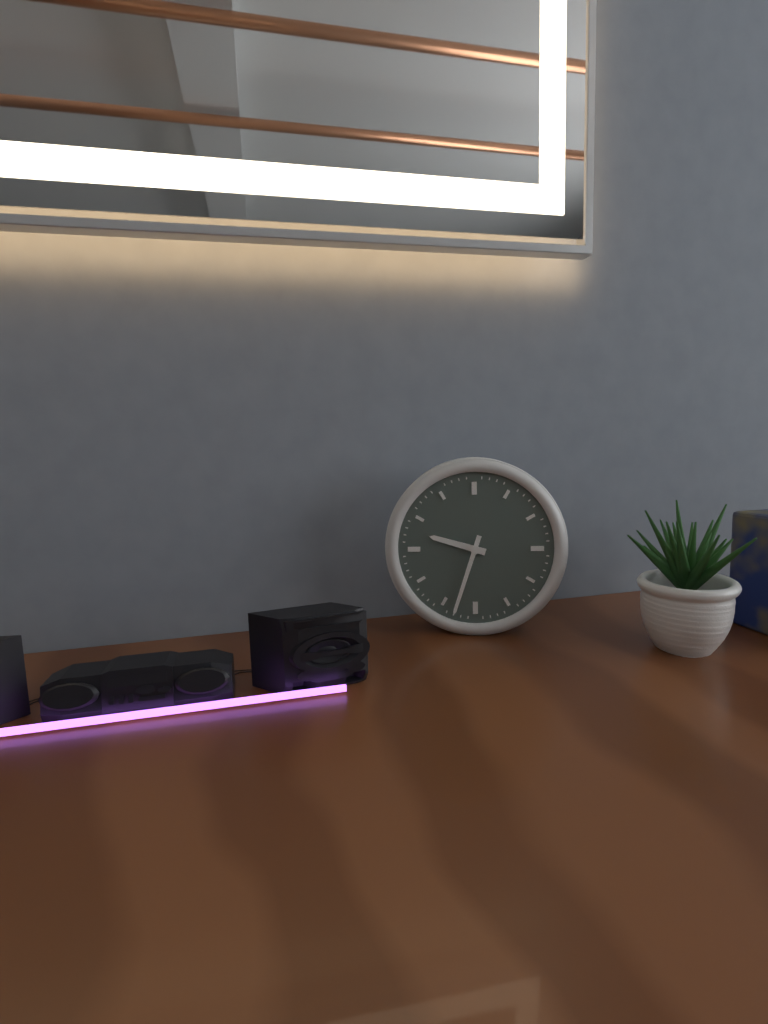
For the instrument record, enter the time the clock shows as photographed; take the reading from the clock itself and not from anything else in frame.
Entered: 9:33
